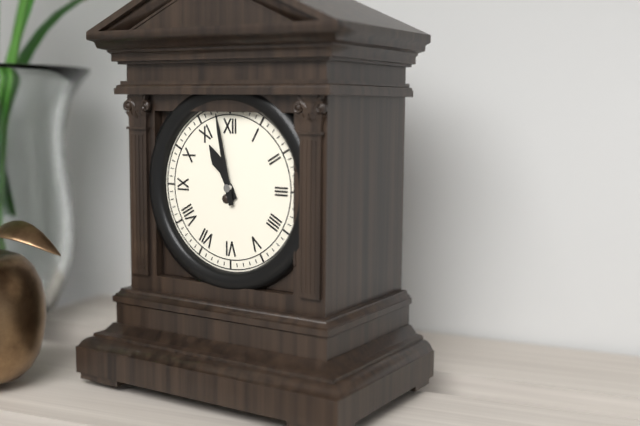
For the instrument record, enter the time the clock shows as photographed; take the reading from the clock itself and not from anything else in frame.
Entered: 10:58
